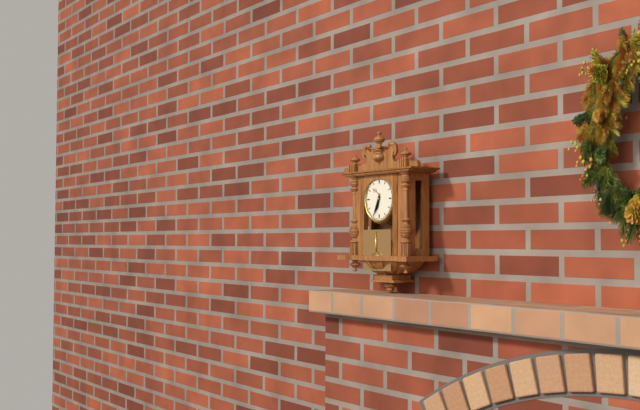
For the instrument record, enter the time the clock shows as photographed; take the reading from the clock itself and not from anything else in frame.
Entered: 6:34
